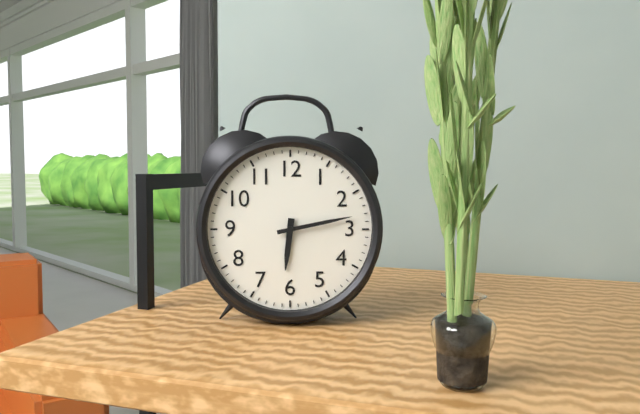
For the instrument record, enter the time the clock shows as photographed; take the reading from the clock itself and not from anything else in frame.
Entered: 6:13
